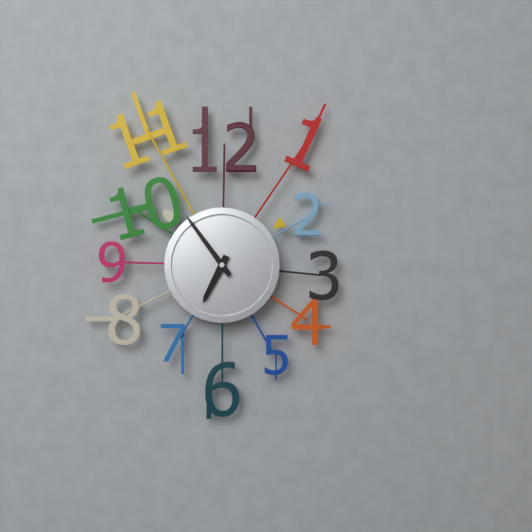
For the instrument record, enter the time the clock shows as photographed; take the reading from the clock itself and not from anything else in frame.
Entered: 6:54
